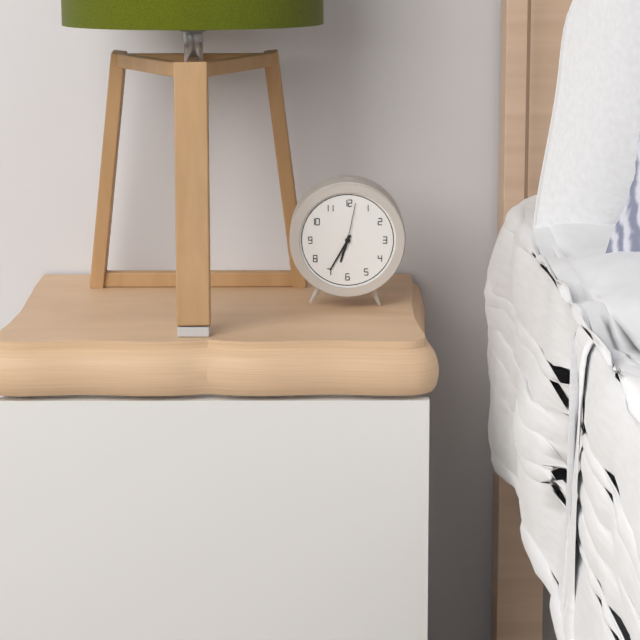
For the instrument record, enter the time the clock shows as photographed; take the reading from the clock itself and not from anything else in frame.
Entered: 6:35
